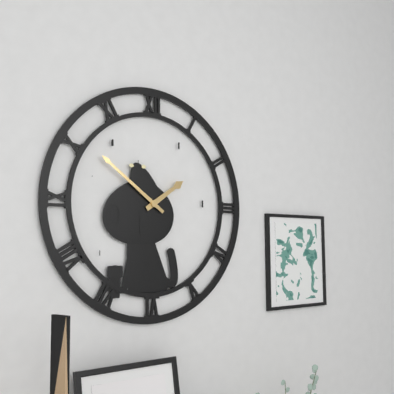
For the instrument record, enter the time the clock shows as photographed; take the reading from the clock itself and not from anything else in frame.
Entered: 1:51
